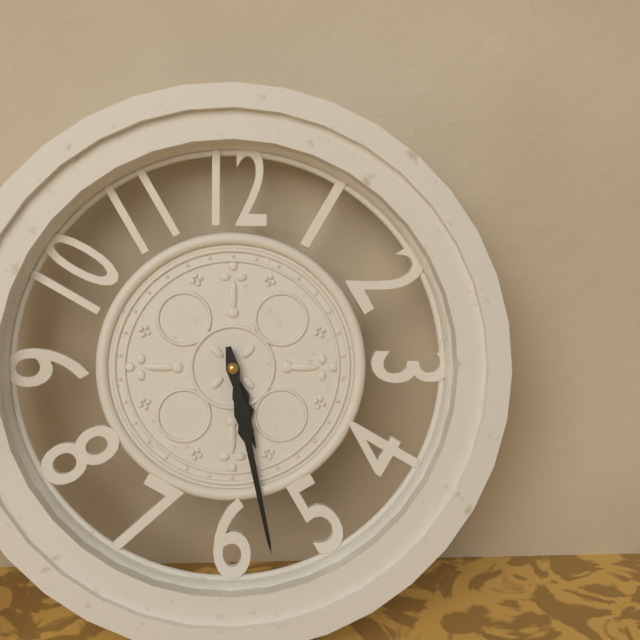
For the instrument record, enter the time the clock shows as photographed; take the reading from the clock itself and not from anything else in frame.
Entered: 5:28
